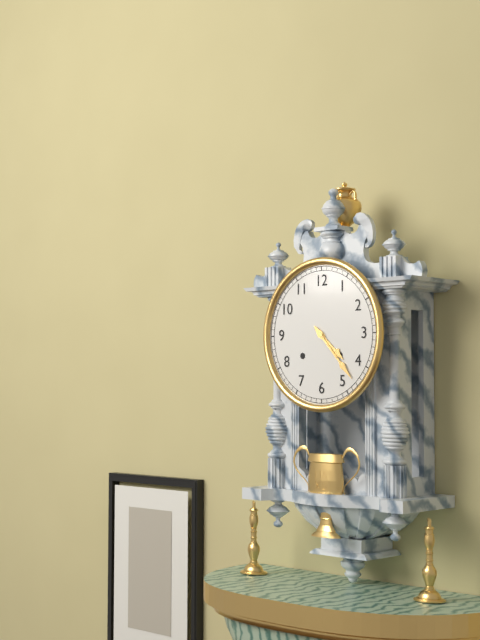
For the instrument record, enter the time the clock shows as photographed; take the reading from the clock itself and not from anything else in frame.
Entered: 4:23
